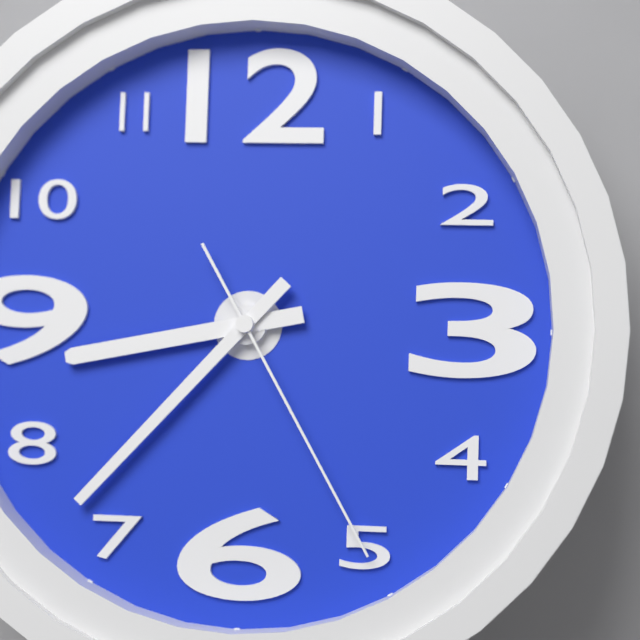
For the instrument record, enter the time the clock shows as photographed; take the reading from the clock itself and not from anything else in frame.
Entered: 8:37:25
